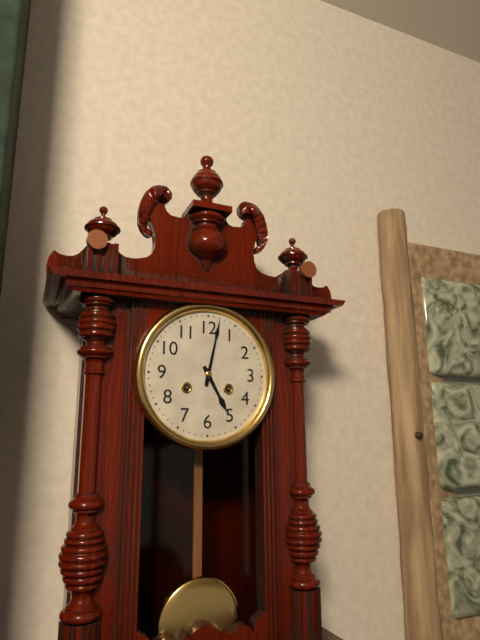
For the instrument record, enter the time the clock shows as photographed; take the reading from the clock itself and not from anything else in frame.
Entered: 5:02
